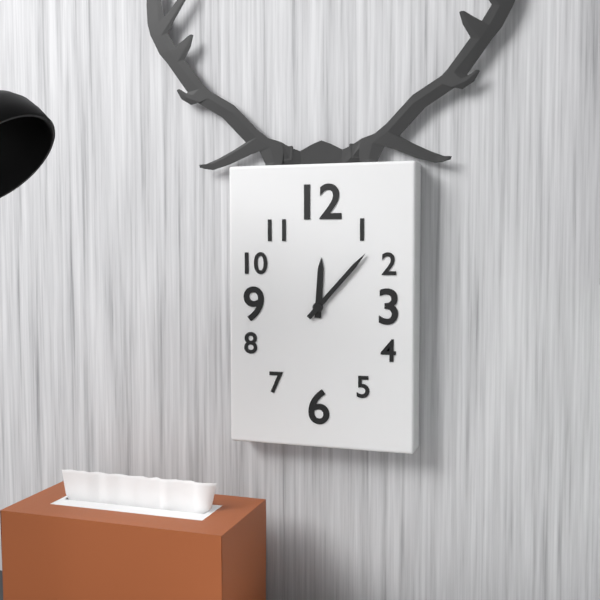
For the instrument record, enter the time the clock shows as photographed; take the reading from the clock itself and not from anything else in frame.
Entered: 12:07
